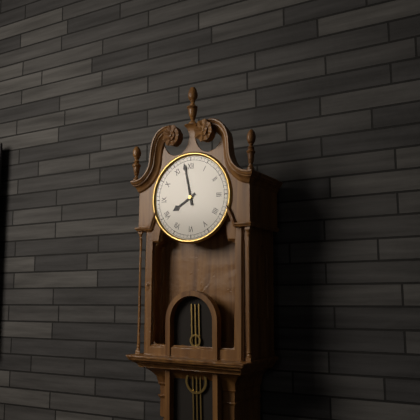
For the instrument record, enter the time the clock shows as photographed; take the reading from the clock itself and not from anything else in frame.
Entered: 7:58
